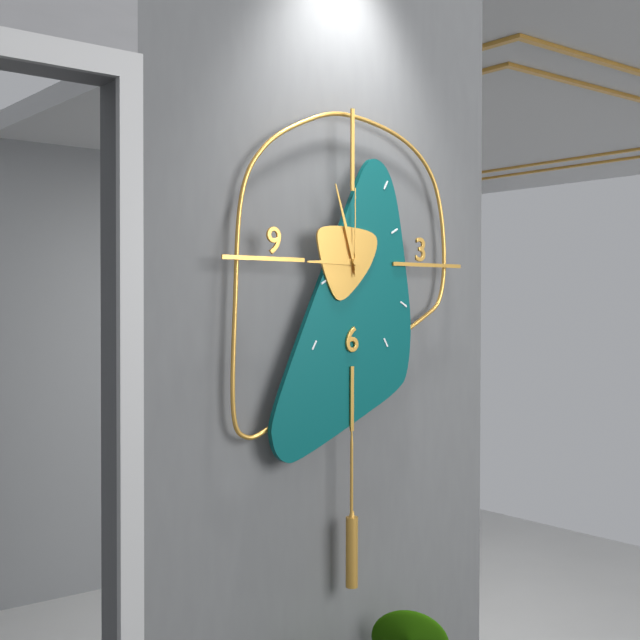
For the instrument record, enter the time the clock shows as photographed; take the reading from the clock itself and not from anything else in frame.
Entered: 8:57:00
